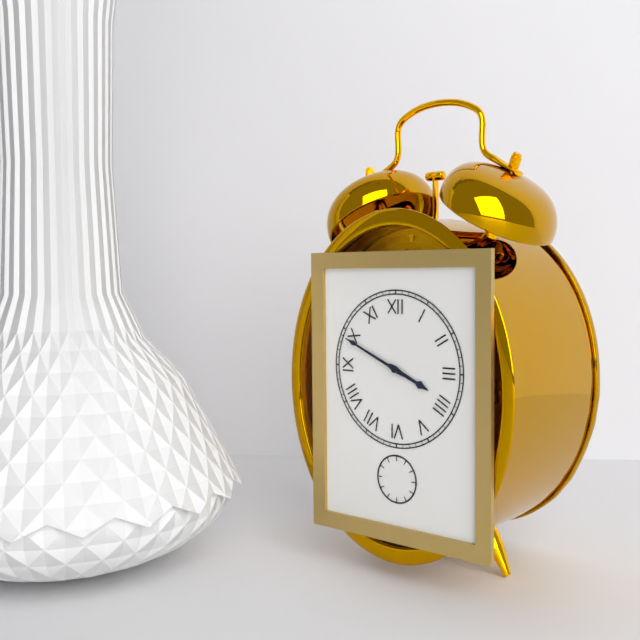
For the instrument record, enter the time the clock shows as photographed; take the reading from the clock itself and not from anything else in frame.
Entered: 3:49
